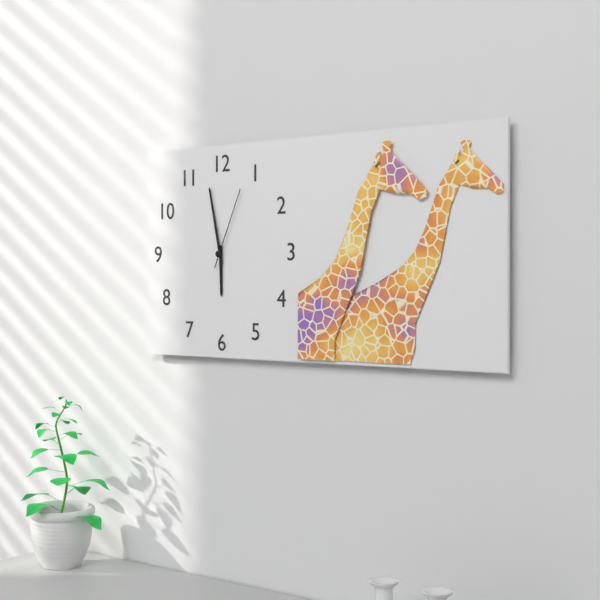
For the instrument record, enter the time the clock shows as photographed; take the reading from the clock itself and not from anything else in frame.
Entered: 5:58:04
